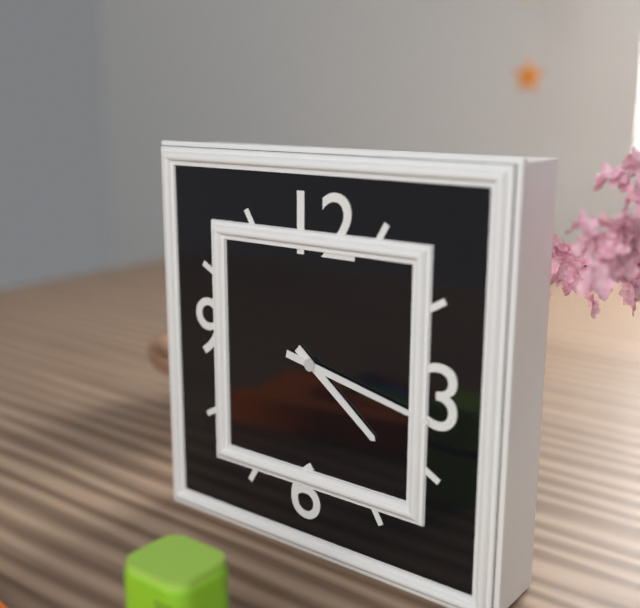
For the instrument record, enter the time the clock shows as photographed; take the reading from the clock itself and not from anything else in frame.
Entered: 4:17
